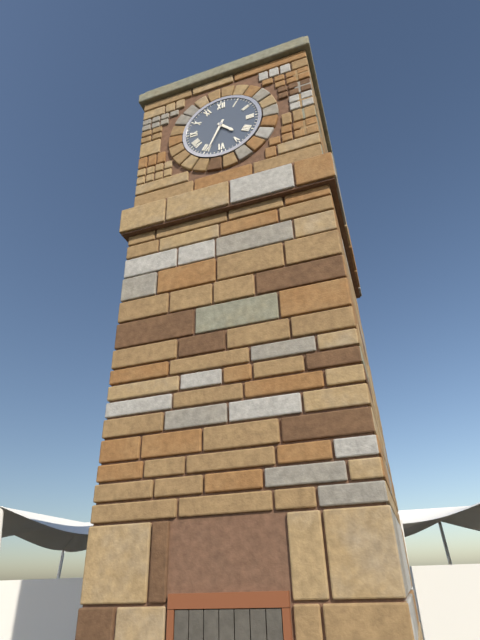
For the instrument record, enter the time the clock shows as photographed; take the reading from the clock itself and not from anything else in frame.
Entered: 4:34
